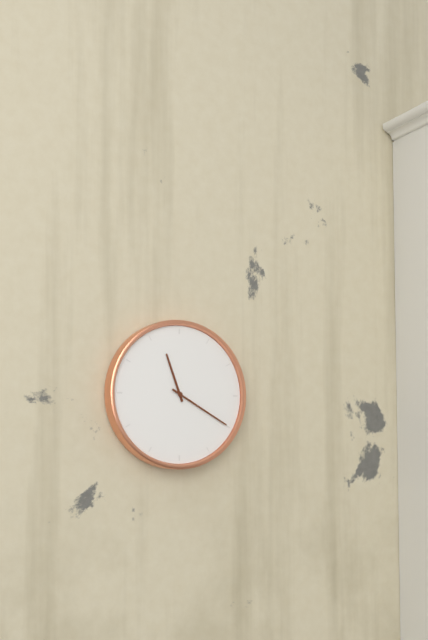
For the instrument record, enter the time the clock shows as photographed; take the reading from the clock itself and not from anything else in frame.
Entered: 11:20
